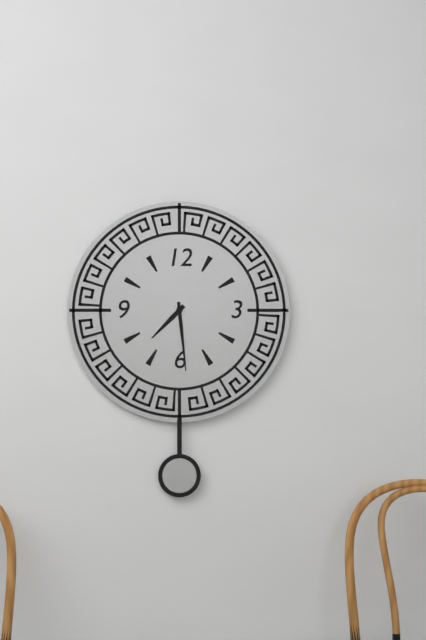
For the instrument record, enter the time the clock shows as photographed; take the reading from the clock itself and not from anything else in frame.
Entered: 7:29
